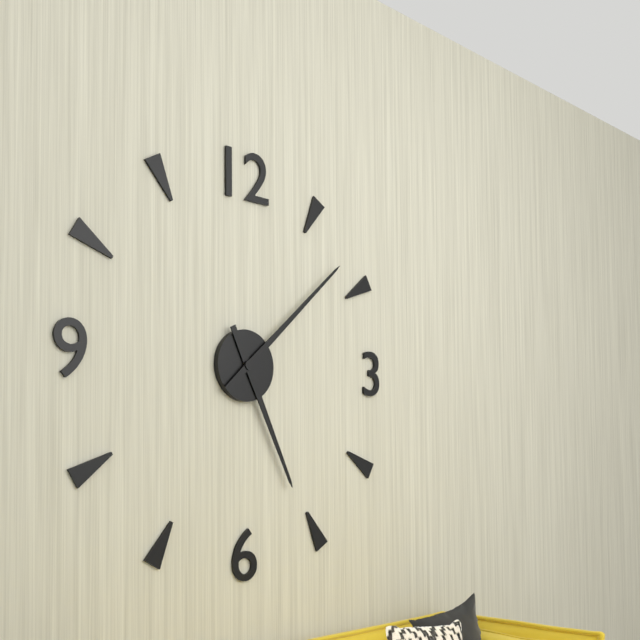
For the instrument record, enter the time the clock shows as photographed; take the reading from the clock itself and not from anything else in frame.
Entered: 5:08
